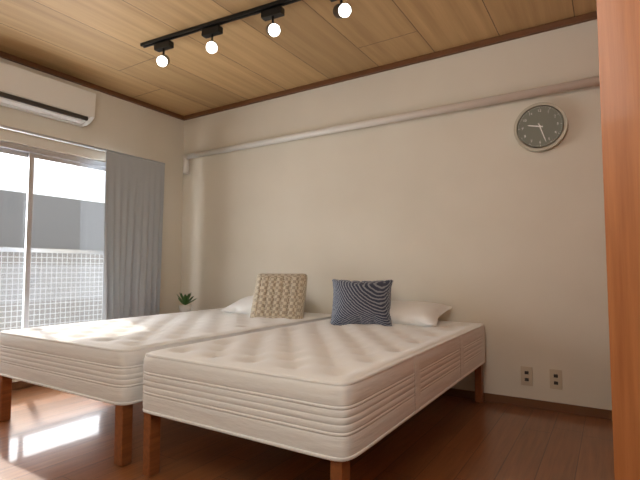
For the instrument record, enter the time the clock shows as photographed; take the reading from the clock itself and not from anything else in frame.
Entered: 9:27
